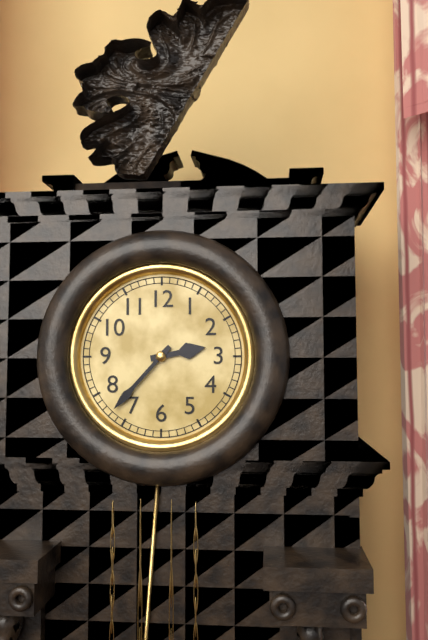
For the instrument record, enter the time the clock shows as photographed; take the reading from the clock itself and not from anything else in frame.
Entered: 2:37
